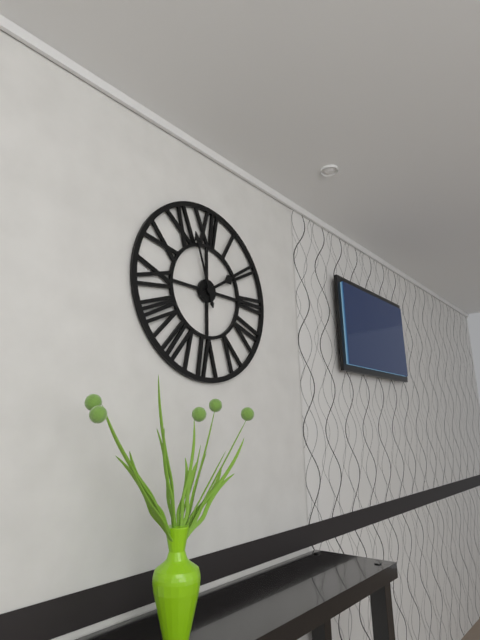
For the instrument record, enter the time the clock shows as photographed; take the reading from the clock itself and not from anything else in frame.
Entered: 1:57
